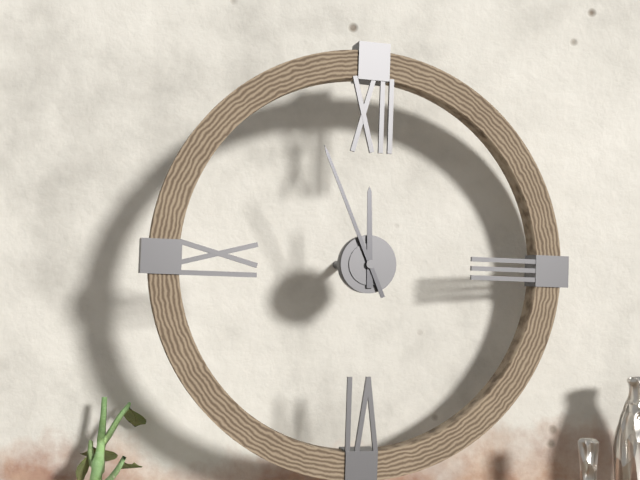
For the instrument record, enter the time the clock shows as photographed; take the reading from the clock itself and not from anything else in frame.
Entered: 11:56
